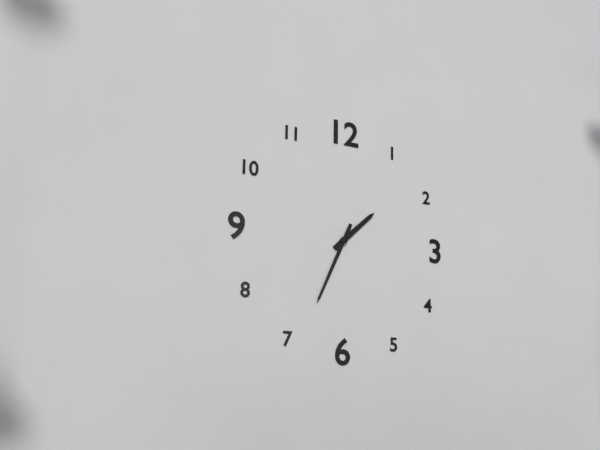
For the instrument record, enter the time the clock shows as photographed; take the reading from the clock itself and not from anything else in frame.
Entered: 1:34
